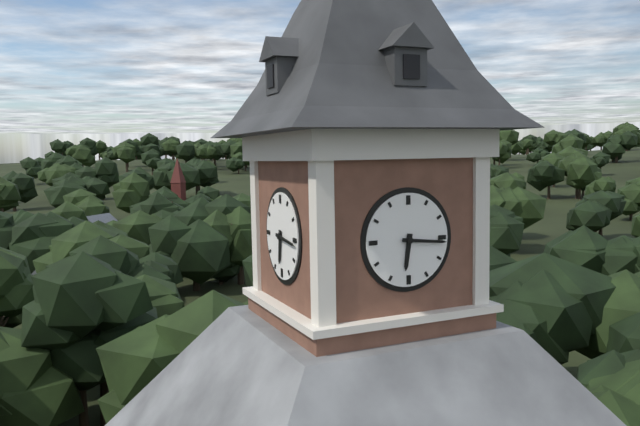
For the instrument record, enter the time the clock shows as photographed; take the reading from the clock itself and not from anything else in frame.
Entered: 6:16
